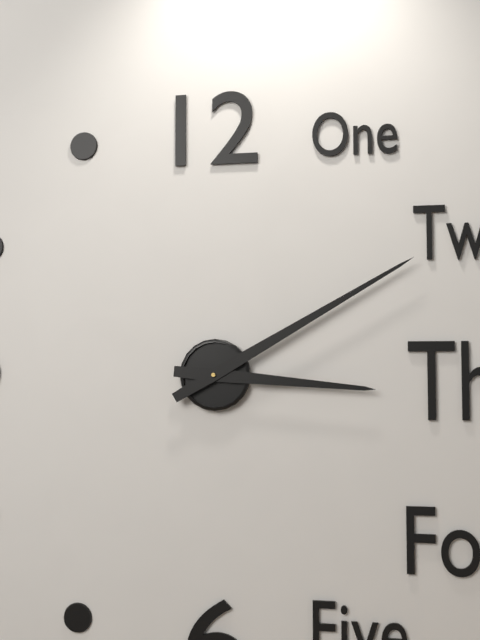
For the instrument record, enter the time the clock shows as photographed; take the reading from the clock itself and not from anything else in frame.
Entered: 3:10
